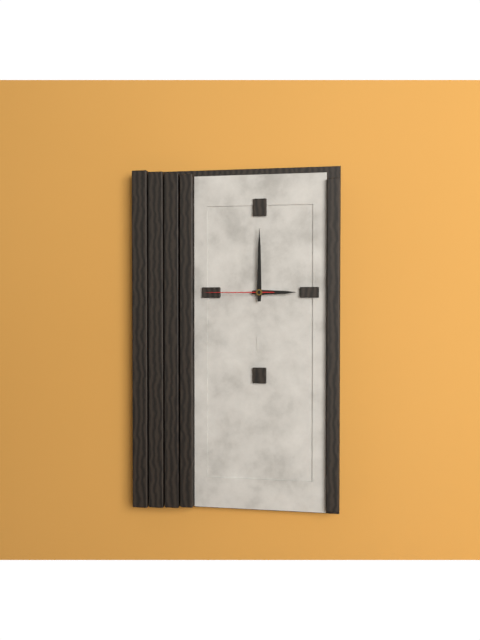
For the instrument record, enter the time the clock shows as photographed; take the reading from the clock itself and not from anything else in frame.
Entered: 3:00:45
